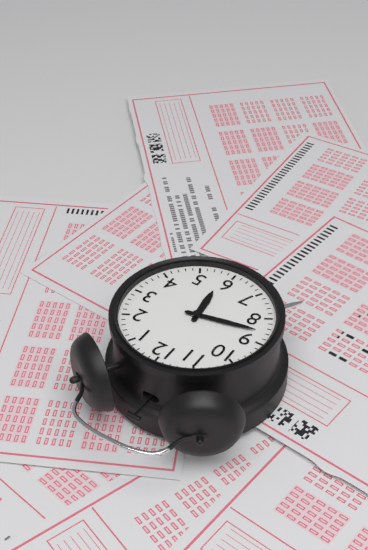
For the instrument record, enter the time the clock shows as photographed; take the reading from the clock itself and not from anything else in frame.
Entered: 5:43
